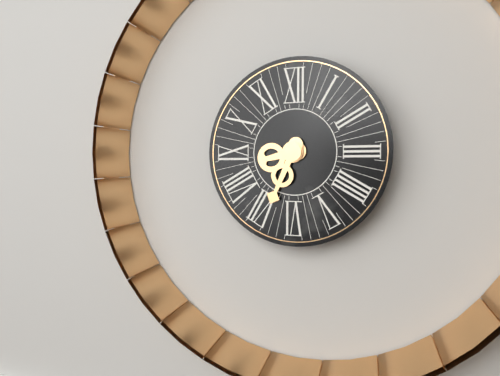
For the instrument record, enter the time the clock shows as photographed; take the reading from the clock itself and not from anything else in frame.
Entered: 8:34
